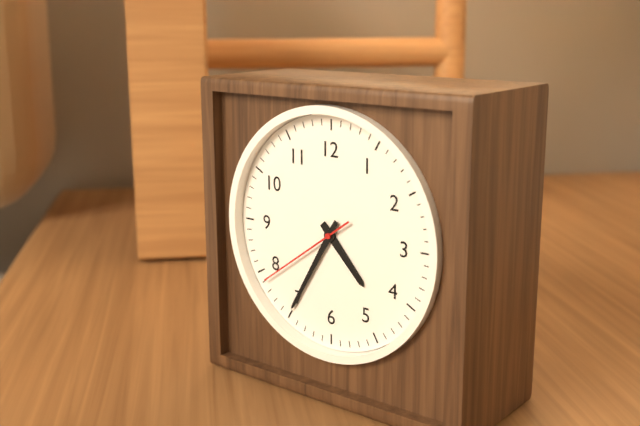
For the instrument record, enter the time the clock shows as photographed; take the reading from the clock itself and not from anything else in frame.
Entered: 4:35:39
